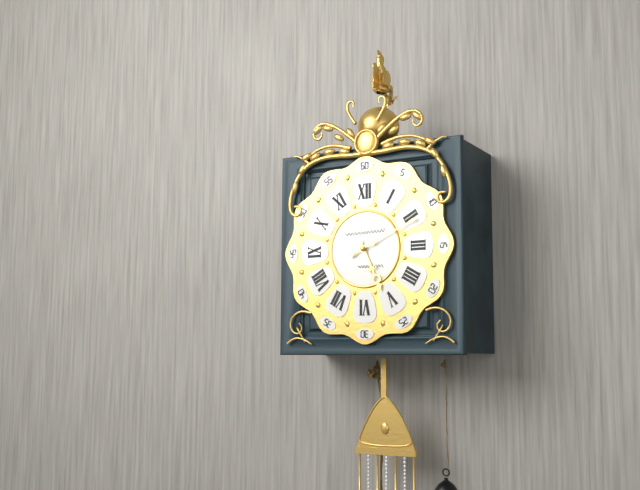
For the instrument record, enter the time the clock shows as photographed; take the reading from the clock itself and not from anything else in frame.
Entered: 5:11
